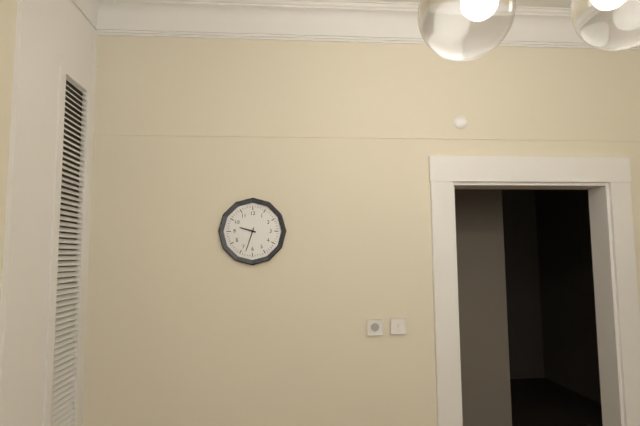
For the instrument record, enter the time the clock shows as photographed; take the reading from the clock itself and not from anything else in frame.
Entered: 9:33
